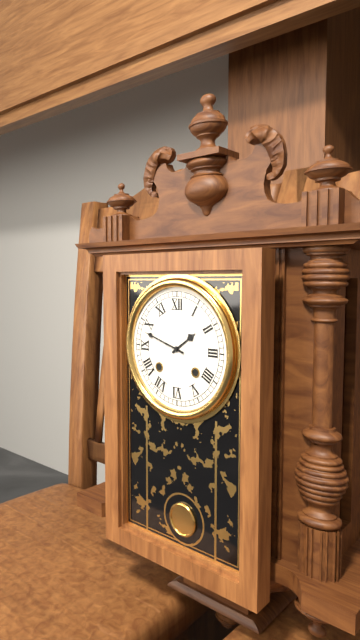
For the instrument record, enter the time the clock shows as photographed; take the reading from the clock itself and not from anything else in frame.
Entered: 1:48
